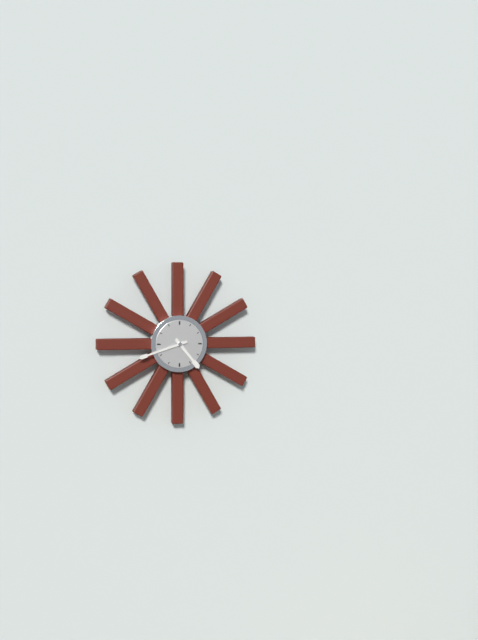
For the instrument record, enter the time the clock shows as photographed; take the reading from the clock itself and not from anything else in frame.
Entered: 4:42
